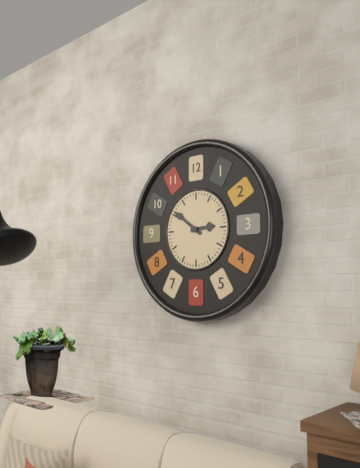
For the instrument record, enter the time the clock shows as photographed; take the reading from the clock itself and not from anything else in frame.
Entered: 2:51
